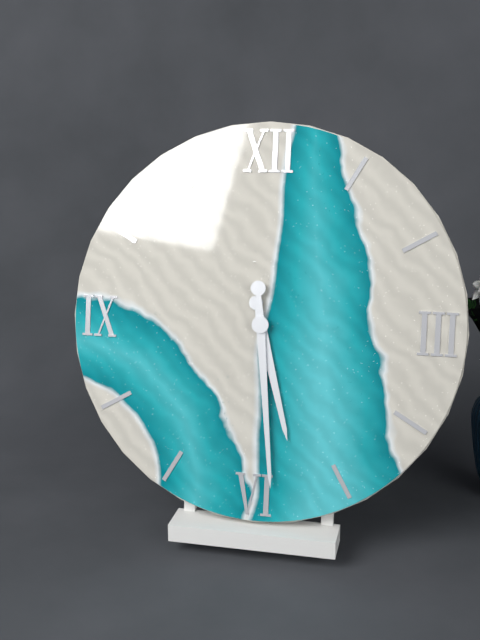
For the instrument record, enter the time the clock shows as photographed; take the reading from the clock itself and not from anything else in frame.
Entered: 5:29
